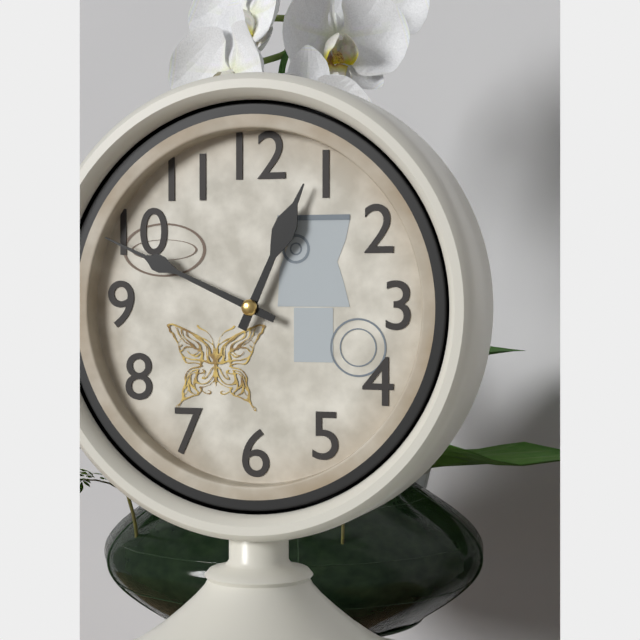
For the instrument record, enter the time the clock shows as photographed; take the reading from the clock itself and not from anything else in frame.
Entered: 12:49
